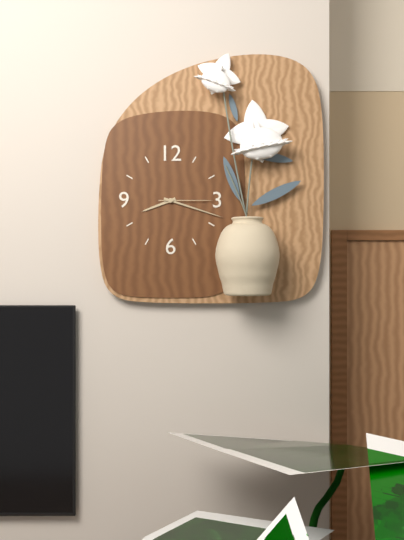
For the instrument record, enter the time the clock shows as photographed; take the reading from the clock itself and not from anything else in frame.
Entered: 8:18:15
